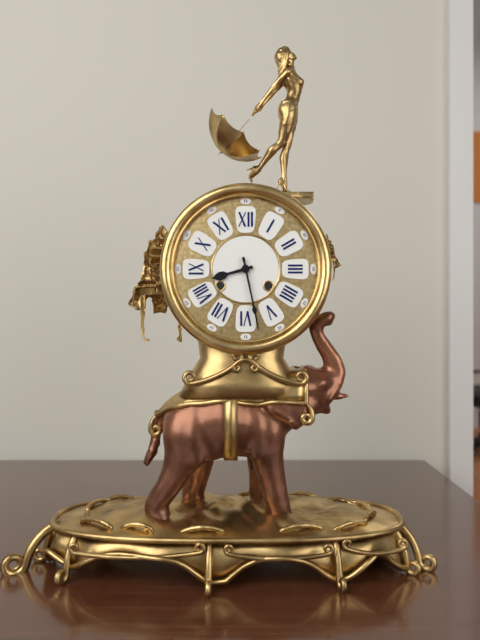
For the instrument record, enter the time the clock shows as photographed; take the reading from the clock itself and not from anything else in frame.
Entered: 8:28
